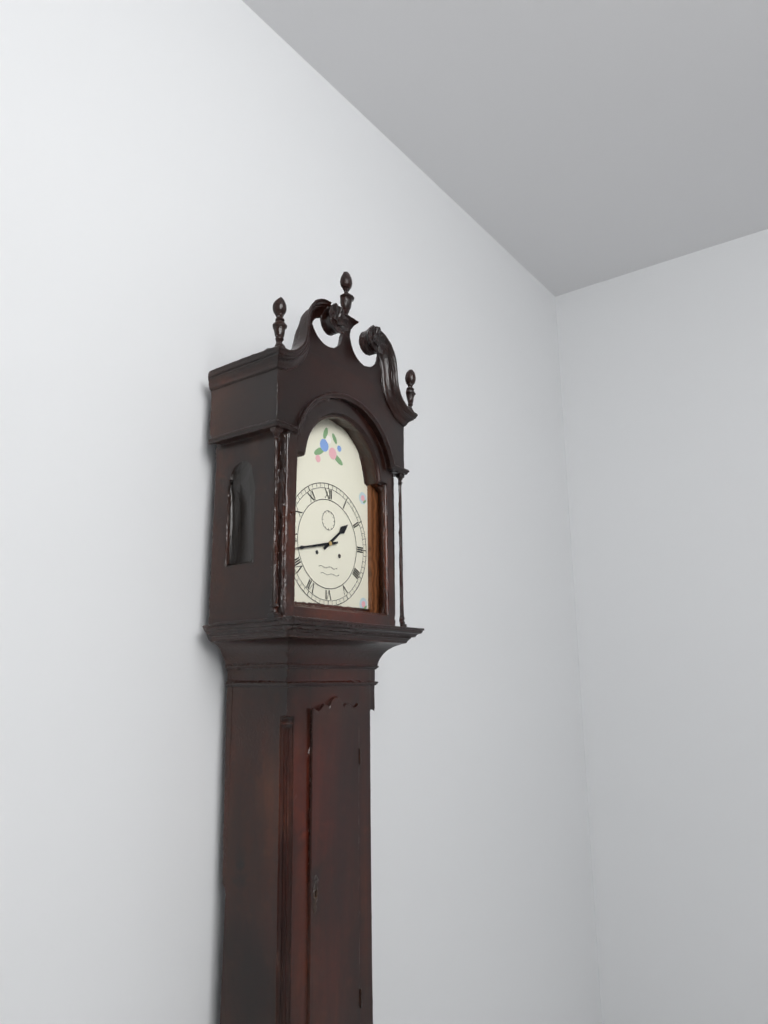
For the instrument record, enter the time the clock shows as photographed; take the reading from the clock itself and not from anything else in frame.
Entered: 1:43
